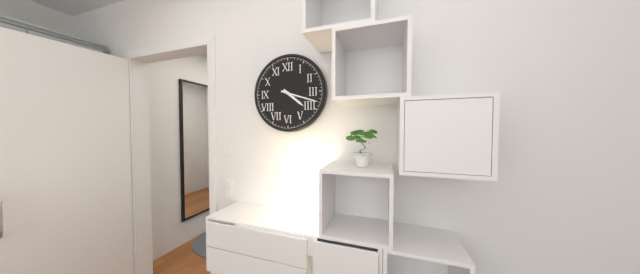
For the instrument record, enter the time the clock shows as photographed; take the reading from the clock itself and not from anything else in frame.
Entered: 4:18
